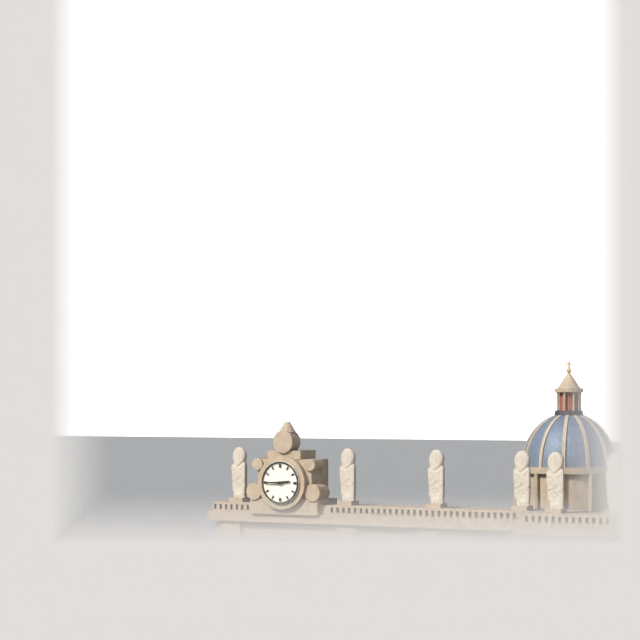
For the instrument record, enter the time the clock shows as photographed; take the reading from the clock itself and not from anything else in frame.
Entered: 2:45
